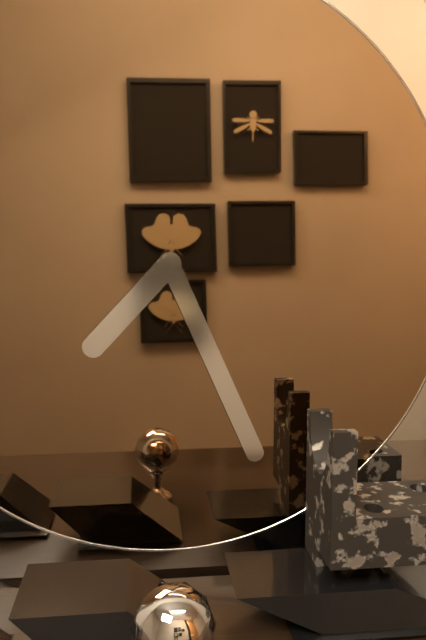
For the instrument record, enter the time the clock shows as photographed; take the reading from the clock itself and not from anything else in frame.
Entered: 7:26
